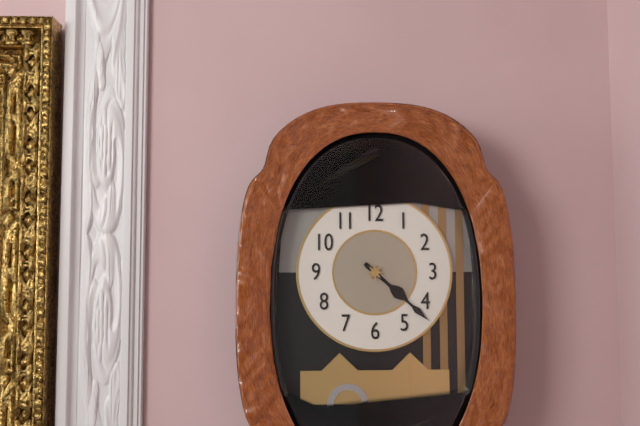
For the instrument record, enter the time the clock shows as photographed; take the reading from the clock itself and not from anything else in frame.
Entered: 4:22
